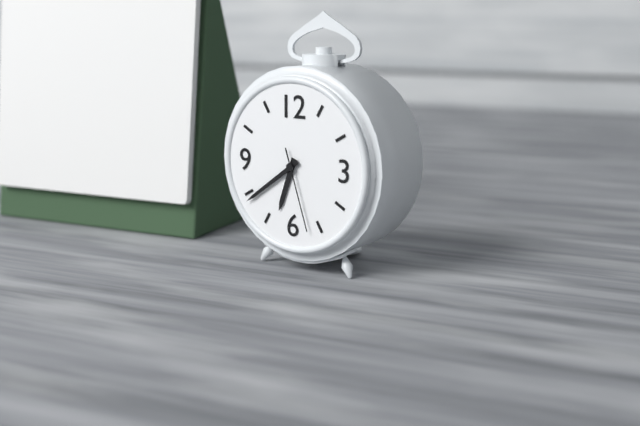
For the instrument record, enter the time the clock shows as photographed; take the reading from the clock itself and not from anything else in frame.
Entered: 6:39:27
